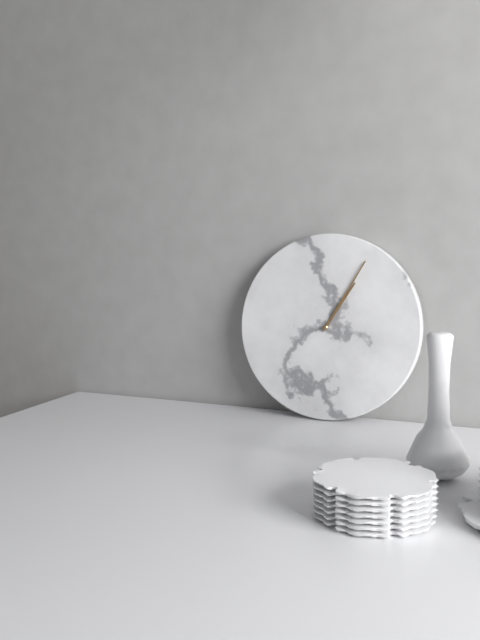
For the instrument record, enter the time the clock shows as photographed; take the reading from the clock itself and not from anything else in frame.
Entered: 1:05
